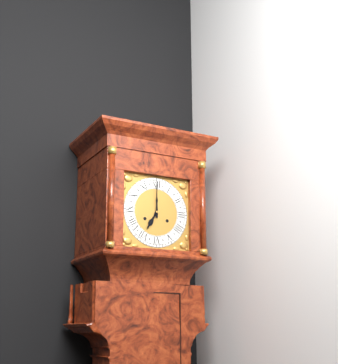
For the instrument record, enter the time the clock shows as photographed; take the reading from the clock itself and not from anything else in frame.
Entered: 7:00
